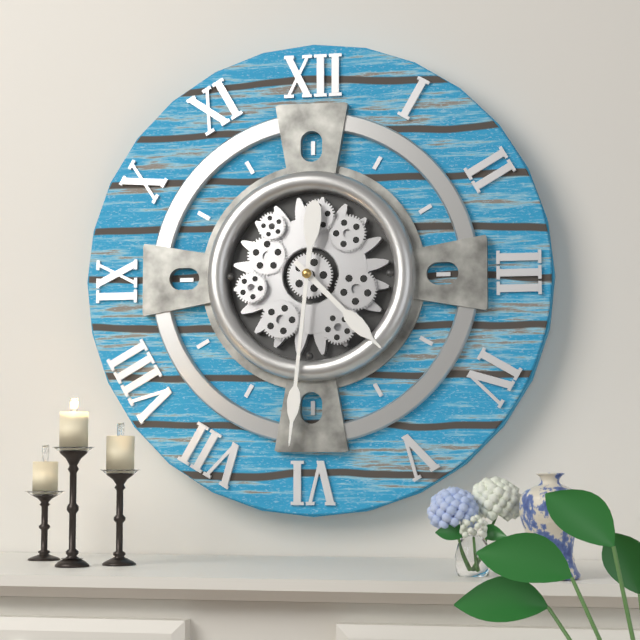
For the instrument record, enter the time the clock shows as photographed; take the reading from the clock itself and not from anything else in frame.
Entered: 4:31
